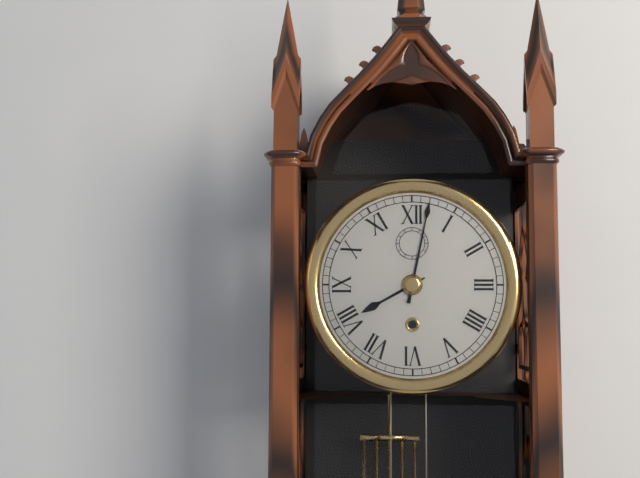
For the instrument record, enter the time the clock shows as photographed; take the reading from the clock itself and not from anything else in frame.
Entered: 8:02
